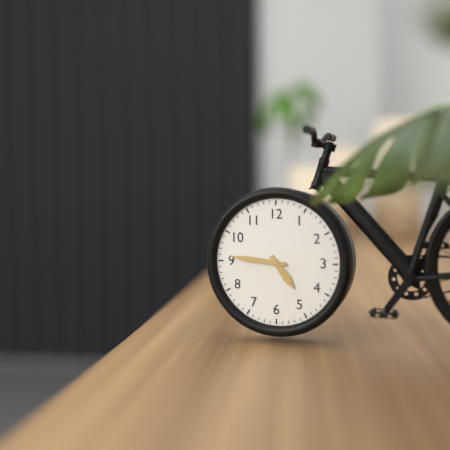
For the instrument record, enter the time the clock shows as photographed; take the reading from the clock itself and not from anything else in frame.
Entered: 4:46
